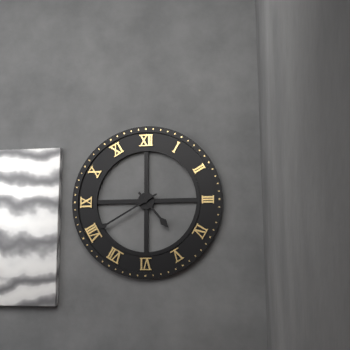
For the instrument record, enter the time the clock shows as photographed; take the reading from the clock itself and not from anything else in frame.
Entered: 4:40
